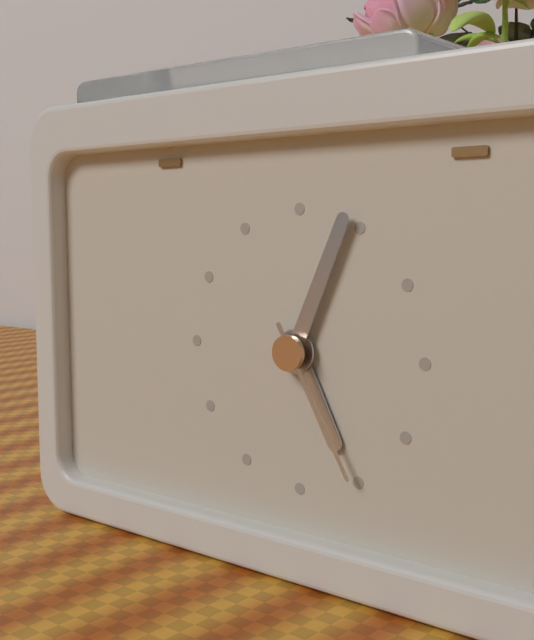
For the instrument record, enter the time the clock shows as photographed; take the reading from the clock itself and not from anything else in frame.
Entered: 5:04:25
